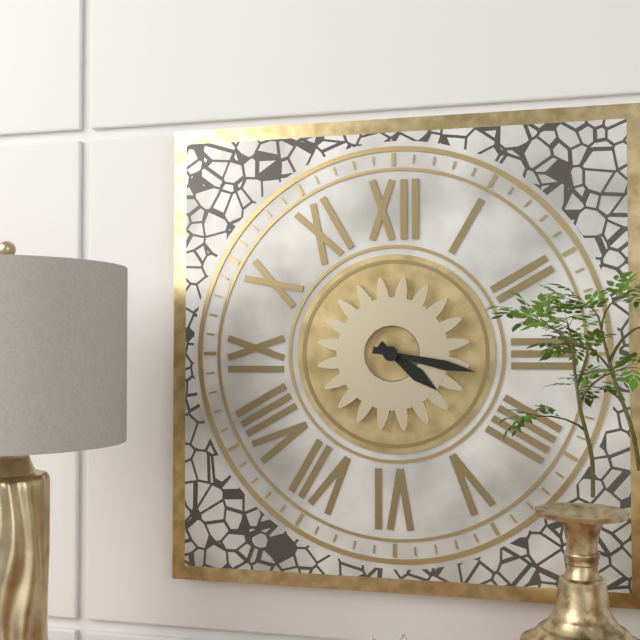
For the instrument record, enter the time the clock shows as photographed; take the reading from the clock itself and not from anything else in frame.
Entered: 4:17
